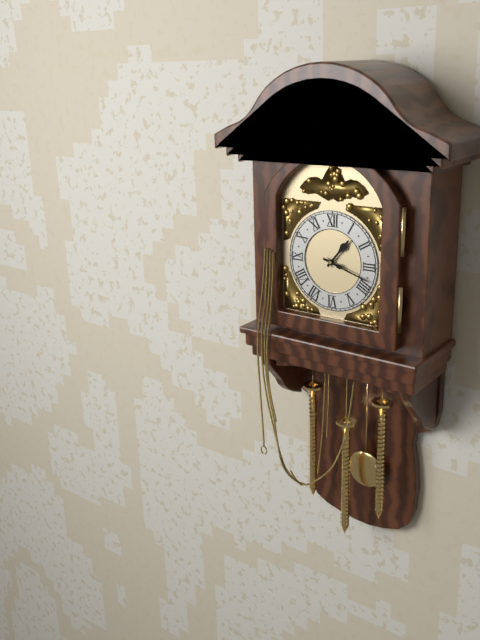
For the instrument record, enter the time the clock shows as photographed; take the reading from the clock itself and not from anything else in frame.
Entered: 1:18
